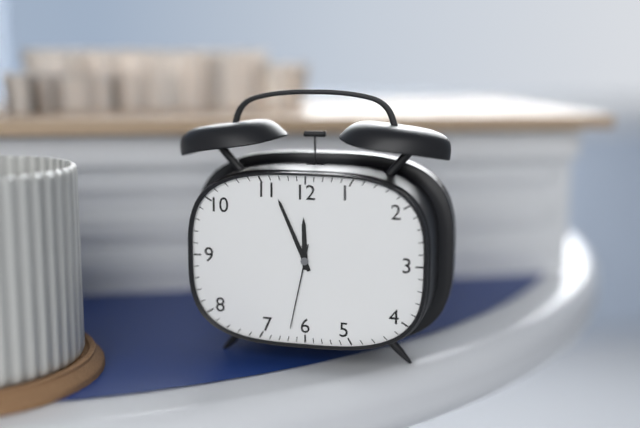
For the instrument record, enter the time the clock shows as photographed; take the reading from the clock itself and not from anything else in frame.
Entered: 11:56:32
